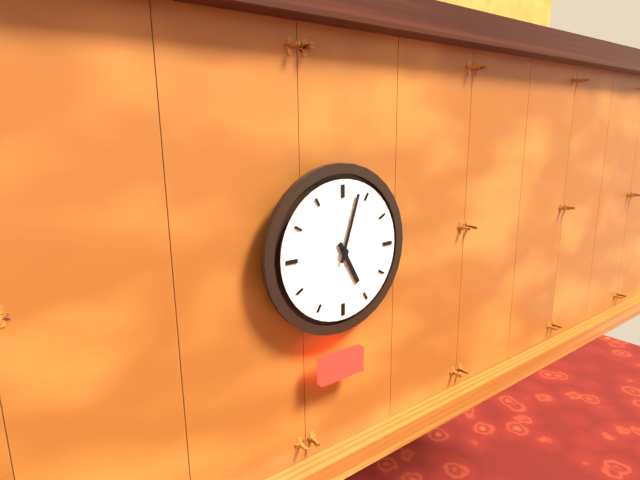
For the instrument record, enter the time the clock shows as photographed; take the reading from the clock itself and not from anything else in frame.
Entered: 5:03
